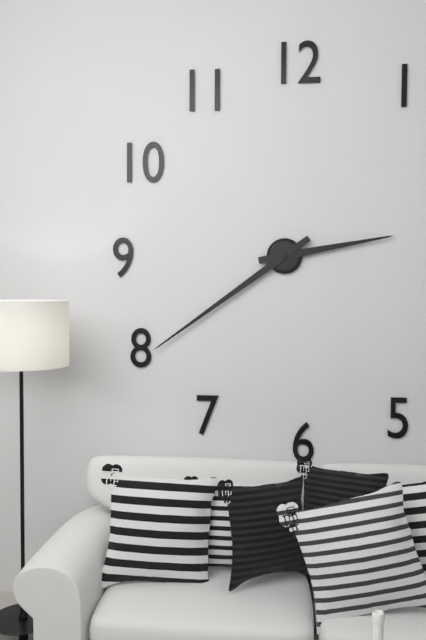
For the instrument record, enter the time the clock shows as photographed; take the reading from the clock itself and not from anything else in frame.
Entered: 2:39
